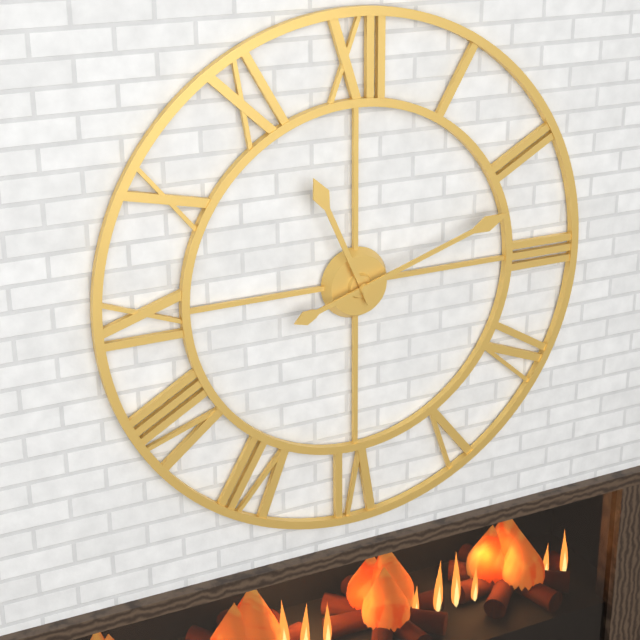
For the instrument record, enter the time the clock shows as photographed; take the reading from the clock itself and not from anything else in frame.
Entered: 11:12
